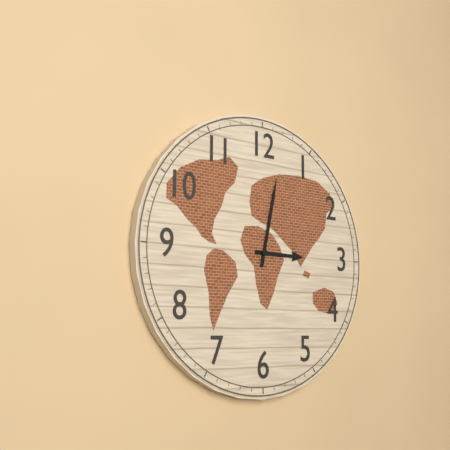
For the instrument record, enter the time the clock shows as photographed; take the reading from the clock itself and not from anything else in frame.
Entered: 3:02
